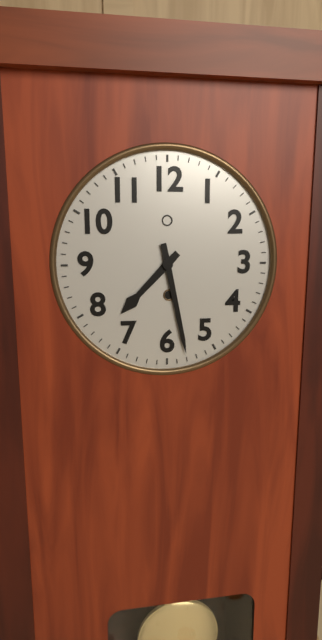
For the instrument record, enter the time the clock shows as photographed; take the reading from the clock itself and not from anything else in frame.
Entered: 7:28
